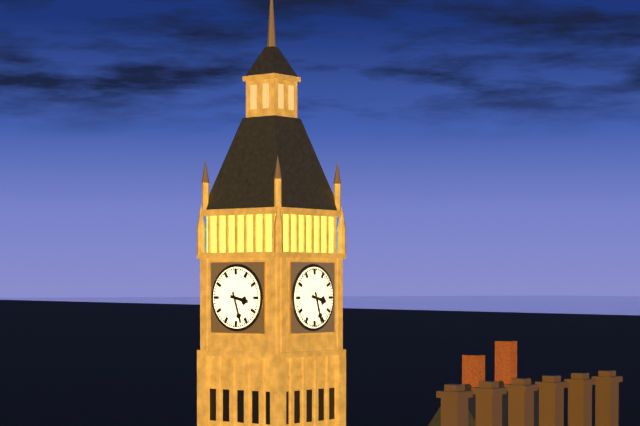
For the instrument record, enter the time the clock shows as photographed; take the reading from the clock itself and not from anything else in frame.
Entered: 3:27
